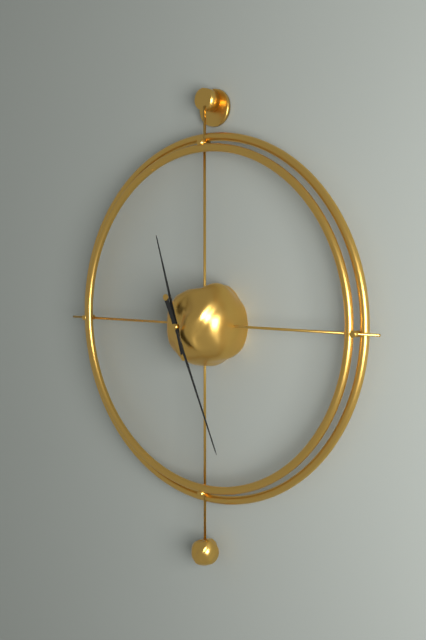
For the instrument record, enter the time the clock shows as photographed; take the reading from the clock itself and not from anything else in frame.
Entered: 11:26
